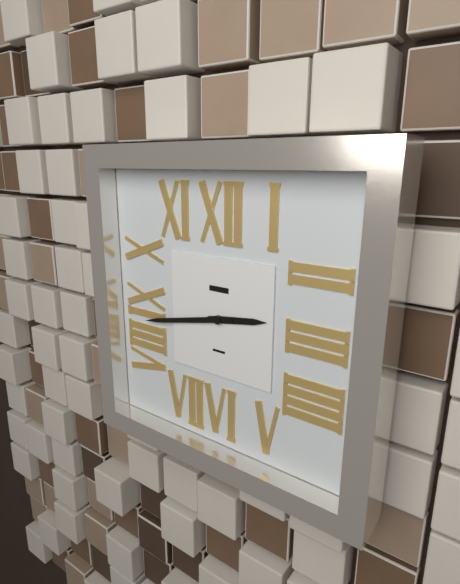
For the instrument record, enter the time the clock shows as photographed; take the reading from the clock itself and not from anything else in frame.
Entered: 2:43
